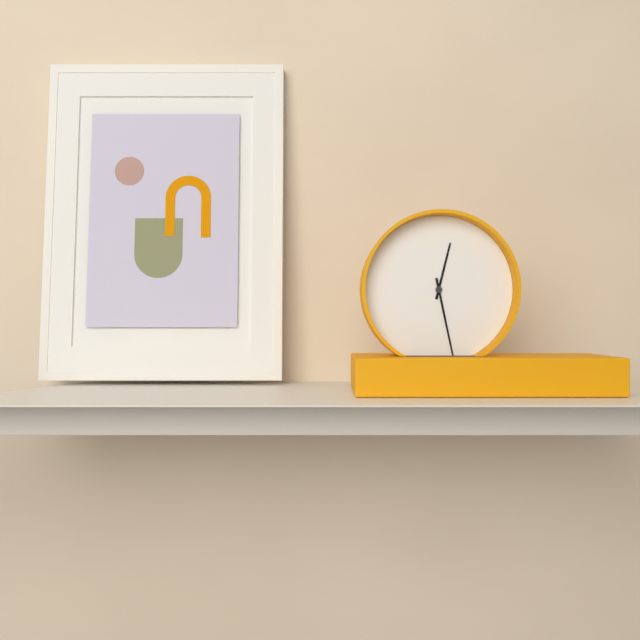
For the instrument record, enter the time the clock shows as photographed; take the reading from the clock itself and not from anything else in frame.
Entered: 12:28
